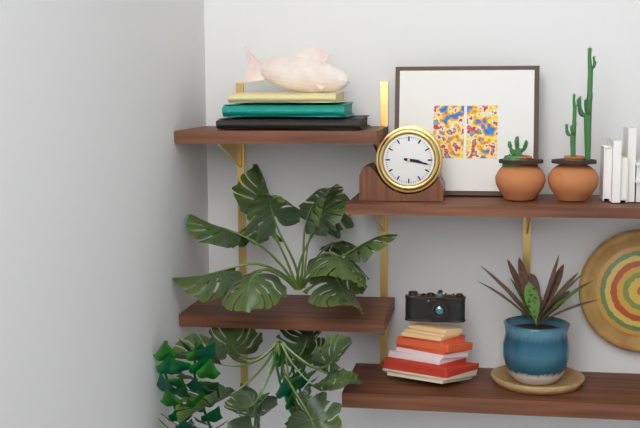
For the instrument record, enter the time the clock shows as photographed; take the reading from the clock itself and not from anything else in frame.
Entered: 3:17
